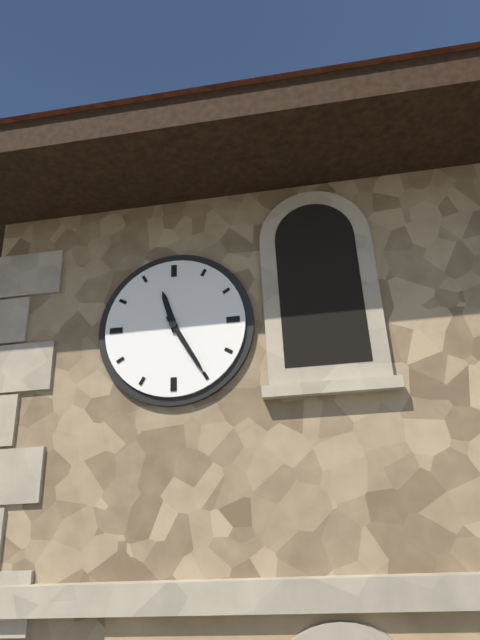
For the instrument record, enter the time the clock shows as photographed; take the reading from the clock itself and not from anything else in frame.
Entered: 11:25
